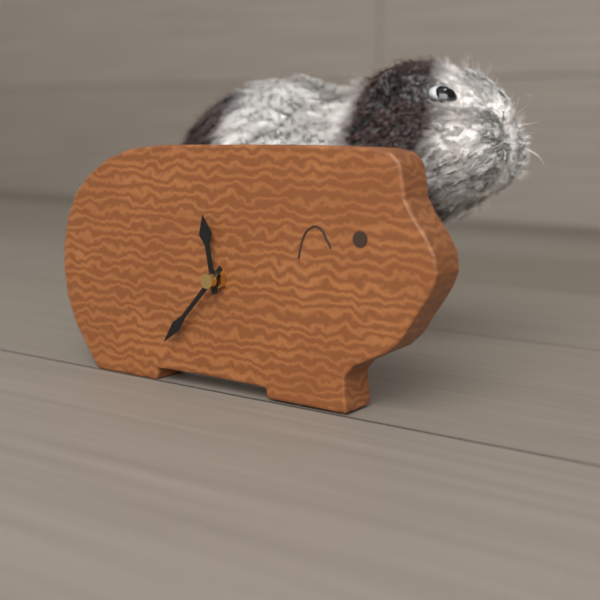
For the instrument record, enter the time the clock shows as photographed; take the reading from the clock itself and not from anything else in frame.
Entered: 11:37
